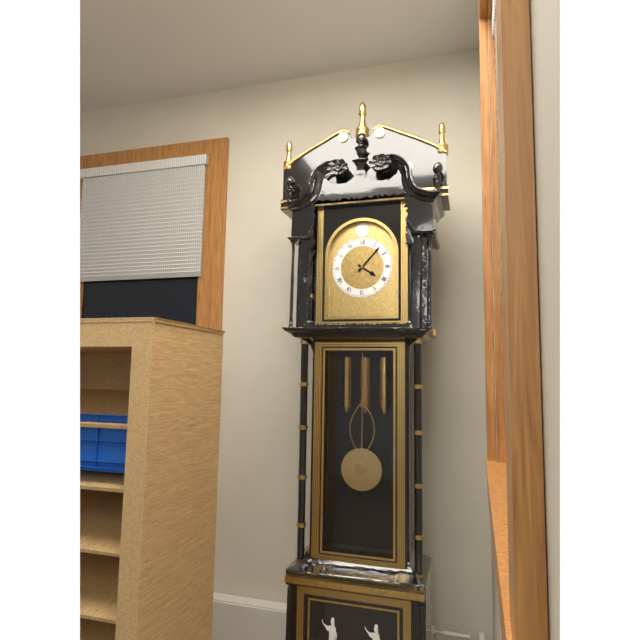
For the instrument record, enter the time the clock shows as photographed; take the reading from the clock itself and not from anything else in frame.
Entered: 4:07
